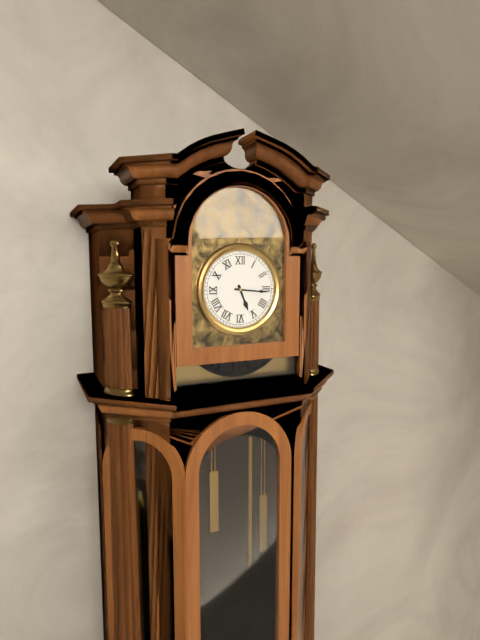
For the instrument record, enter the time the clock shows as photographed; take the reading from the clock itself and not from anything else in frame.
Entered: 5:16
